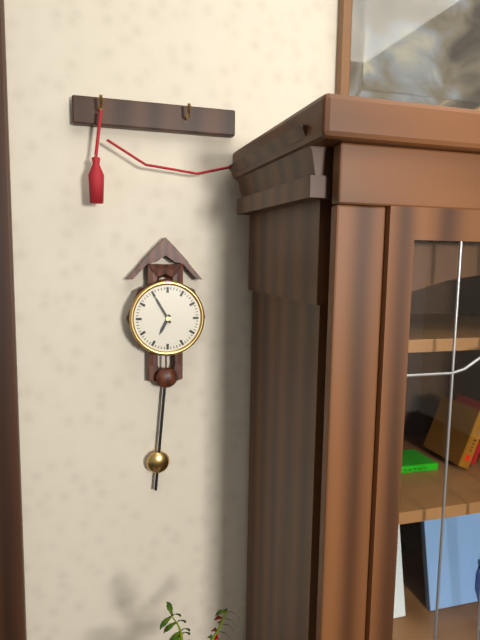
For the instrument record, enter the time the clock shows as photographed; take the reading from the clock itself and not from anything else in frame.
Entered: 6:55
